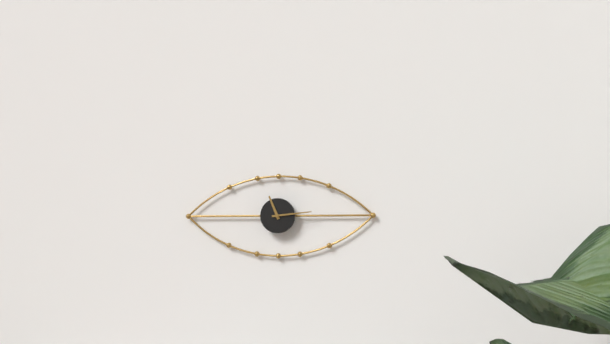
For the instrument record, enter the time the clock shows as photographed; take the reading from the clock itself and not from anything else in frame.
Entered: 11:14
